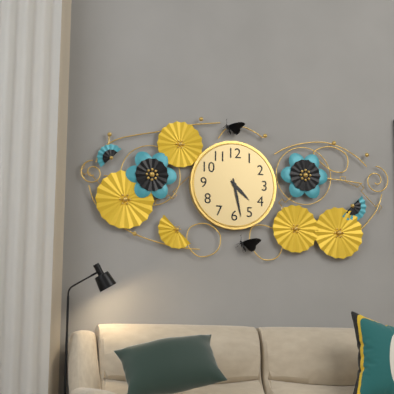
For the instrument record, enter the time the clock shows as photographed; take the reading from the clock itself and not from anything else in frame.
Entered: 4:28
